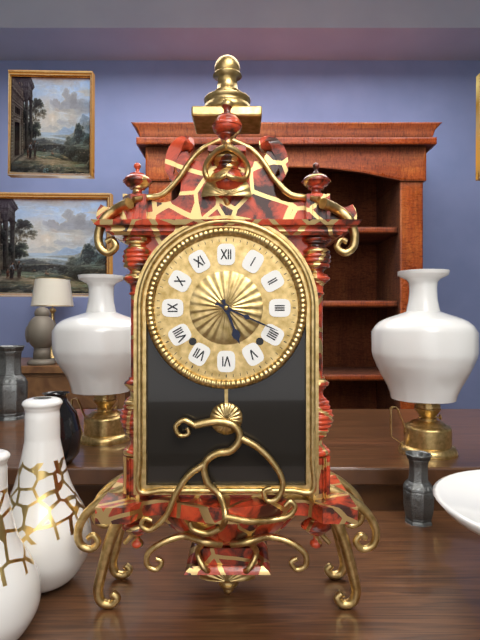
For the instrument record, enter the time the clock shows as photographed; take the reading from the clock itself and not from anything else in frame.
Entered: 5:19
